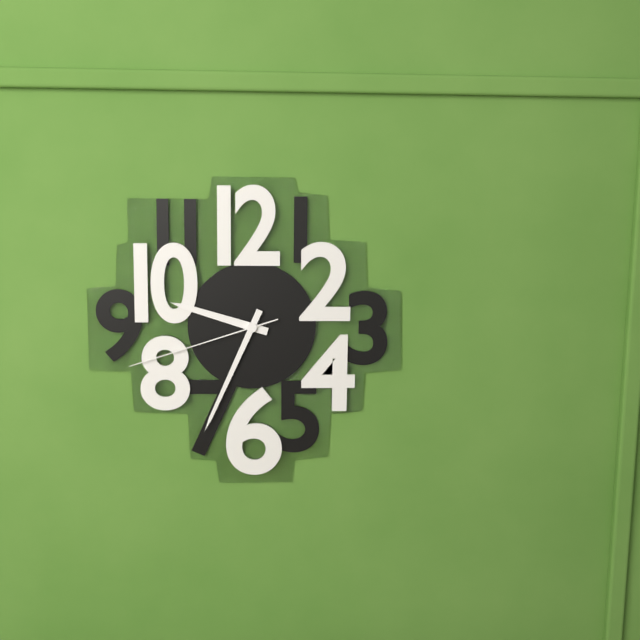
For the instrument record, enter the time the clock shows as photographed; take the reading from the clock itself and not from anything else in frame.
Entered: 9:34:42
